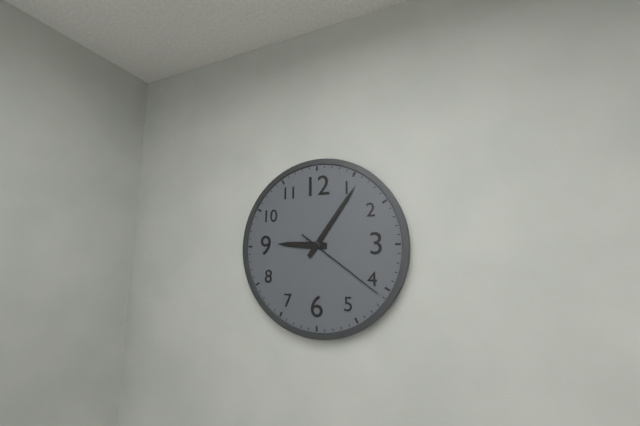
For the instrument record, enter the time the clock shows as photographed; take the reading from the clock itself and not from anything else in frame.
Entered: 9:06:21
